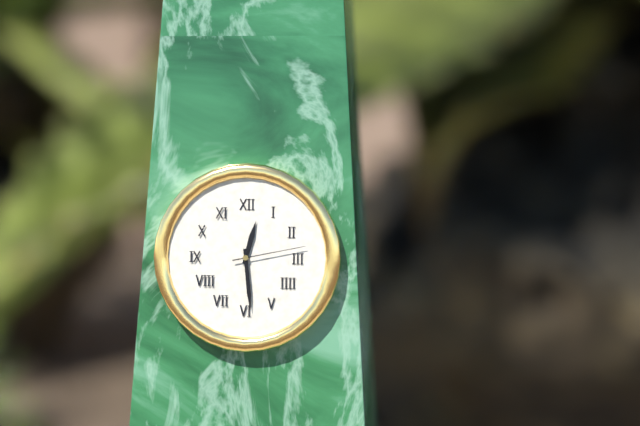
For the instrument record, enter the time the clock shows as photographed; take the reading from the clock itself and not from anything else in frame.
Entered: 12:29:13
